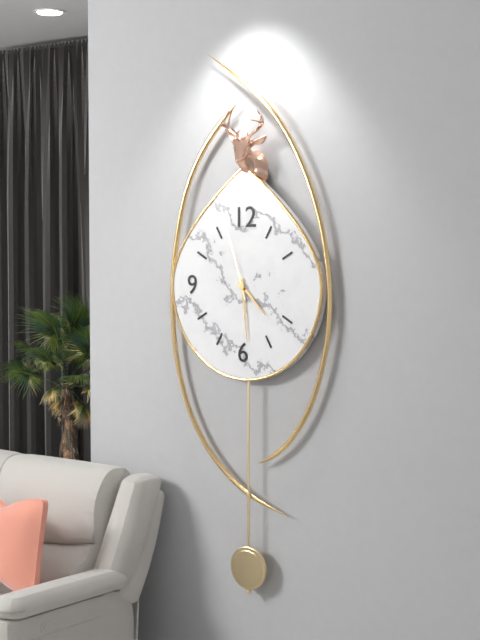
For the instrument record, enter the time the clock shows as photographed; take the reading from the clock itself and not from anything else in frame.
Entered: 4:29:57
